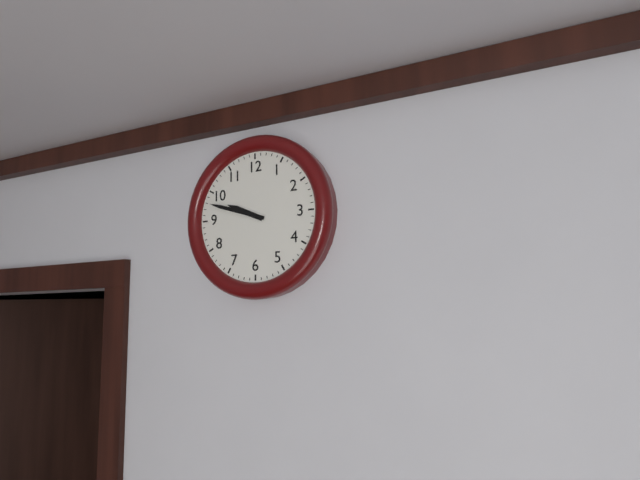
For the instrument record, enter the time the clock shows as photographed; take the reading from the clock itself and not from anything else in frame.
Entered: 9:48
